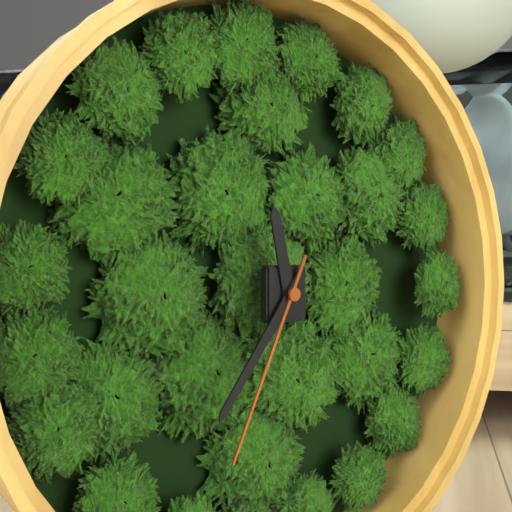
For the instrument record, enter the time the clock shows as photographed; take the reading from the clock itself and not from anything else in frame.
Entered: 11:36:34
